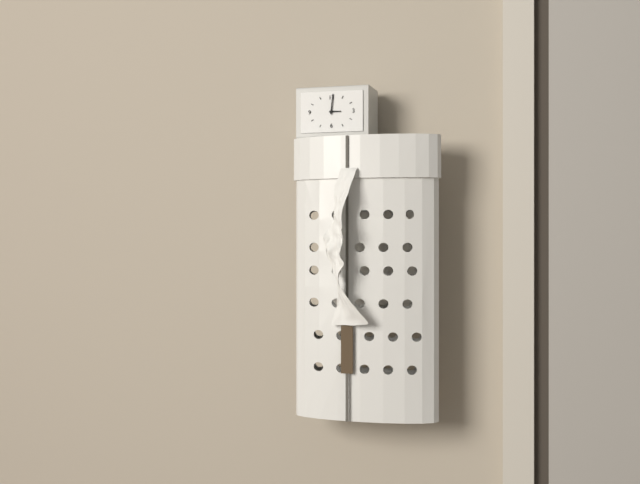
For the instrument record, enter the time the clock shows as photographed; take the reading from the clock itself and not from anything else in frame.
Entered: 3:01
